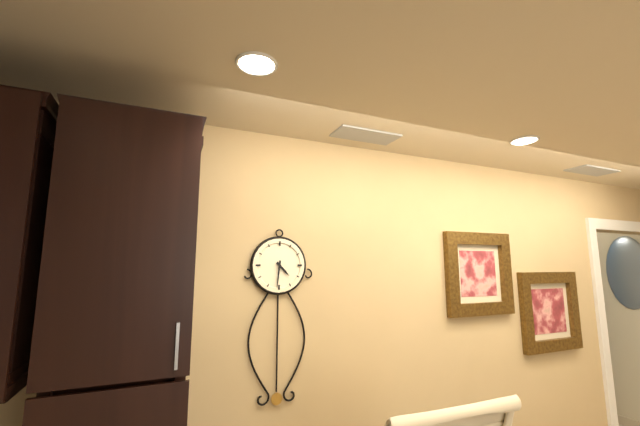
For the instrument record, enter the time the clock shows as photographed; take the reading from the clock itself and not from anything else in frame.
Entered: 4:31
